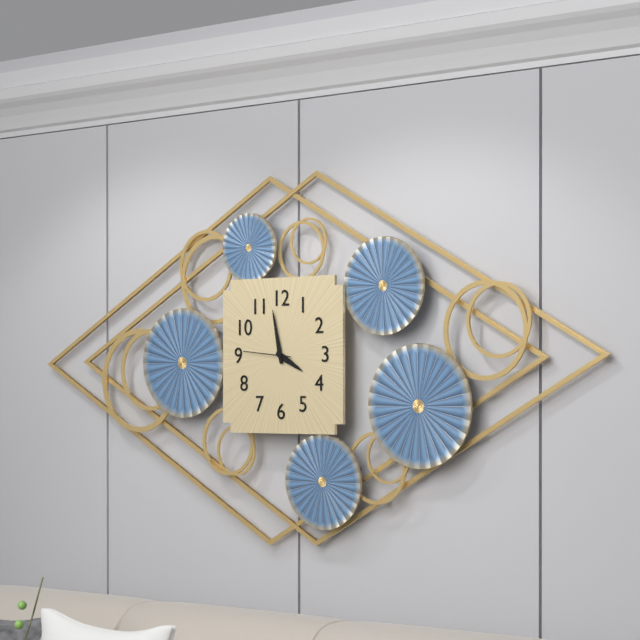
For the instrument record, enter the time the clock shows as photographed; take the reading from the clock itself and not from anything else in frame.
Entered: 3:58
